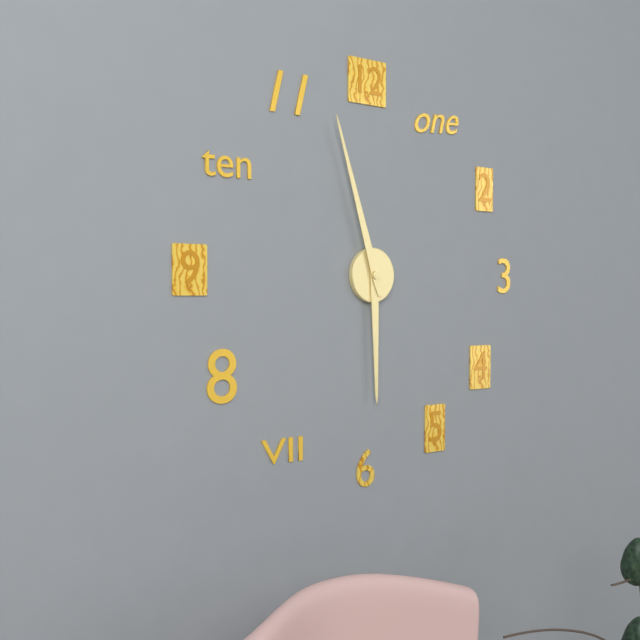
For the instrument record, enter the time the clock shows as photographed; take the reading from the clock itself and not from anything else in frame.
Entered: 5:57
